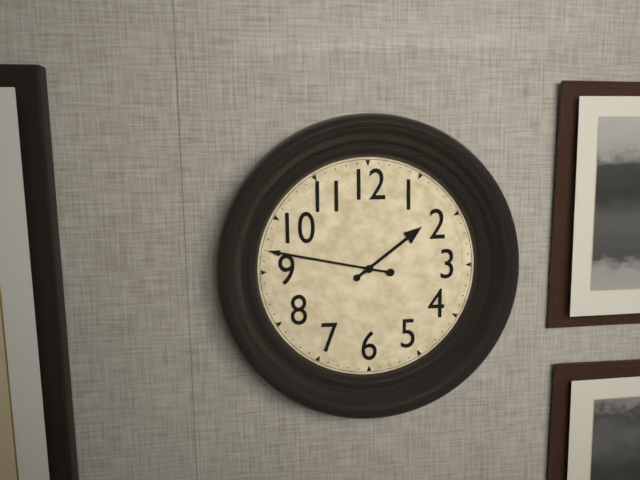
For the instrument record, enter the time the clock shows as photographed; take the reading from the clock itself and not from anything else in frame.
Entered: 1:47
